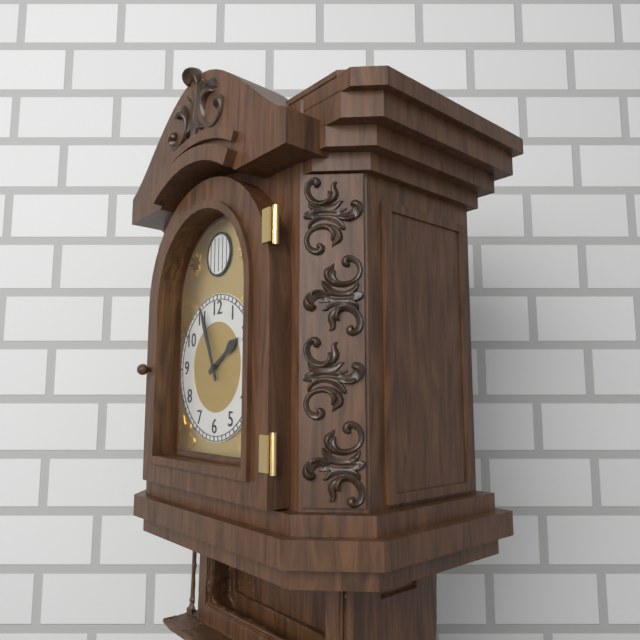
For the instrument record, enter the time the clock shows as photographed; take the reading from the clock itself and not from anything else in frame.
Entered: 1:56
